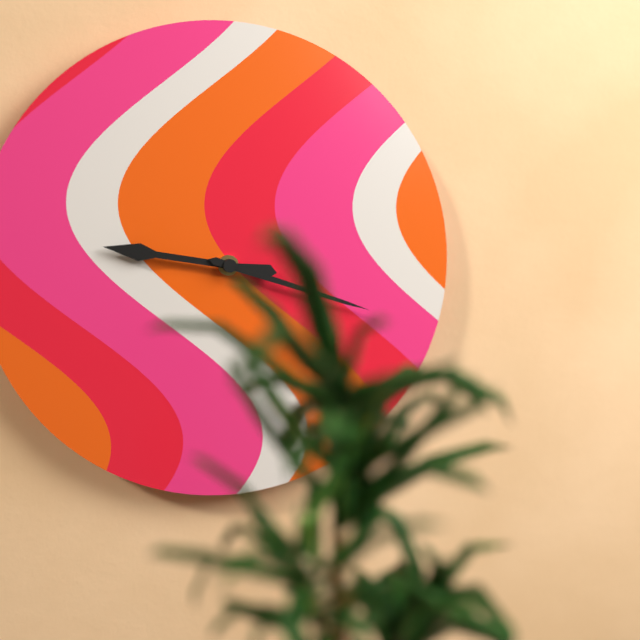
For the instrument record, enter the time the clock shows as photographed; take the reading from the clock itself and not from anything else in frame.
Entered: 9:18
